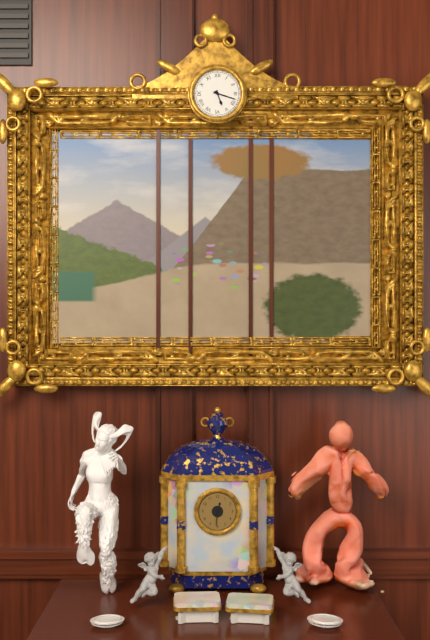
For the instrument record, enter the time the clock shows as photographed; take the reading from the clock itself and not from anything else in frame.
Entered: 5:18
